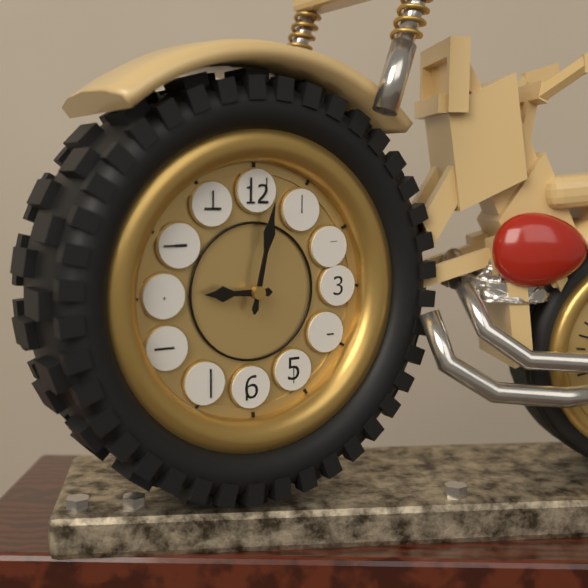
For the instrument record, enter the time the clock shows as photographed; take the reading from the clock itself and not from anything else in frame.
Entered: 9:02
